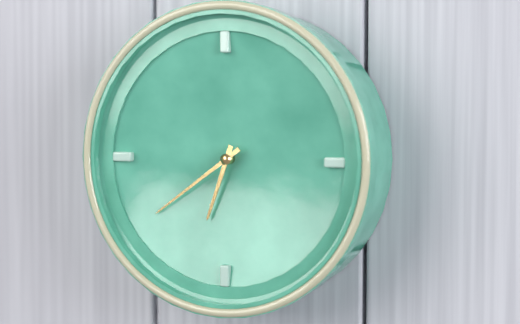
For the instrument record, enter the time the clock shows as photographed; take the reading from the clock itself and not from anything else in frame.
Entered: 6:39
